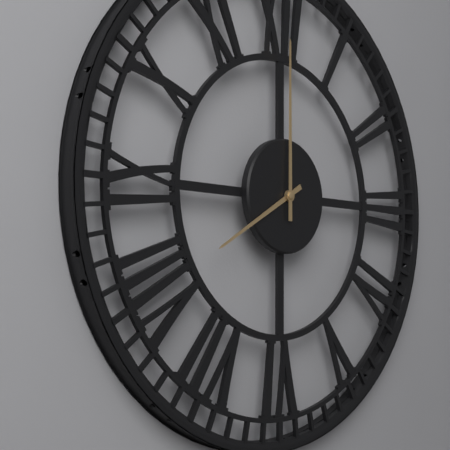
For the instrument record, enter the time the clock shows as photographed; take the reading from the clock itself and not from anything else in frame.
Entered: 8:00
